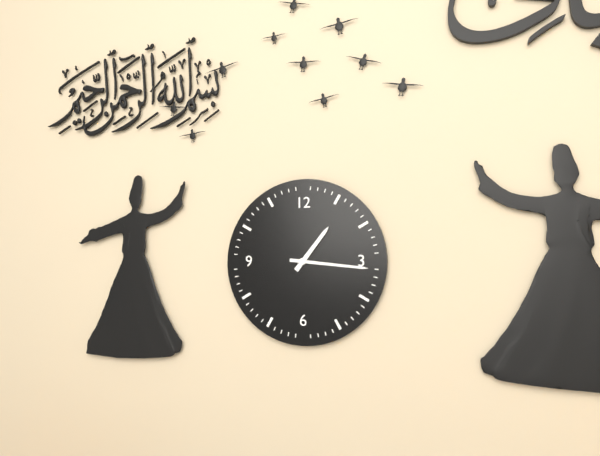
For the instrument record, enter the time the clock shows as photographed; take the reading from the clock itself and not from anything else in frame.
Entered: 1:16
